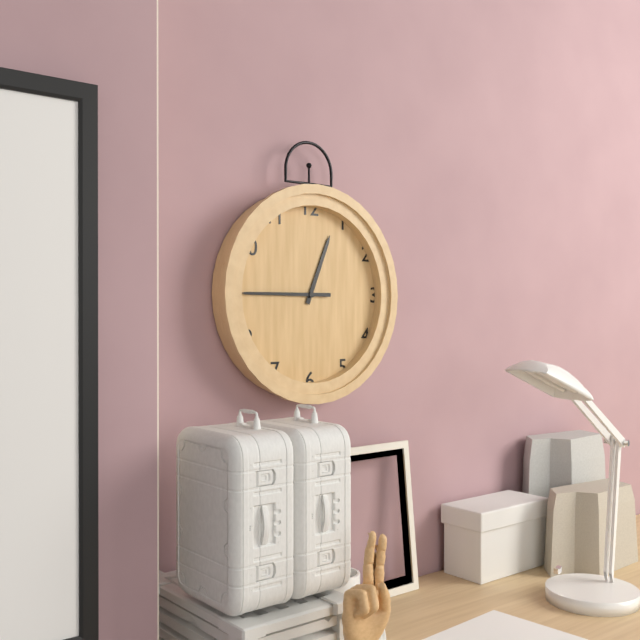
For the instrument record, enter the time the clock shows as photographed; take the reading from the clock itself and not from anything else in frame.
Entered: 12:45
